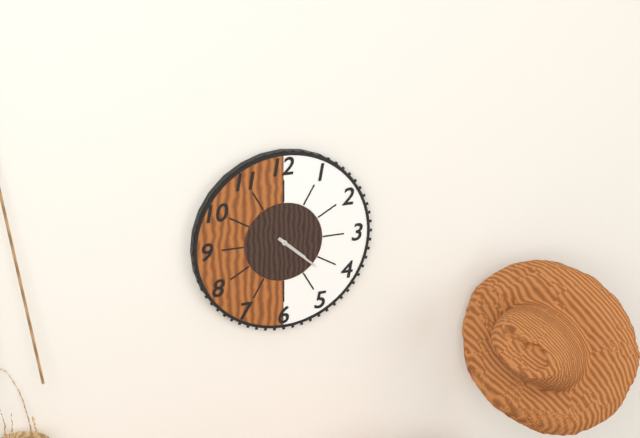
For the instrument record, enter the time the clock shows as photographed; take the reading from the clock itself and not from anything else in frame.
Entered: 4:22
